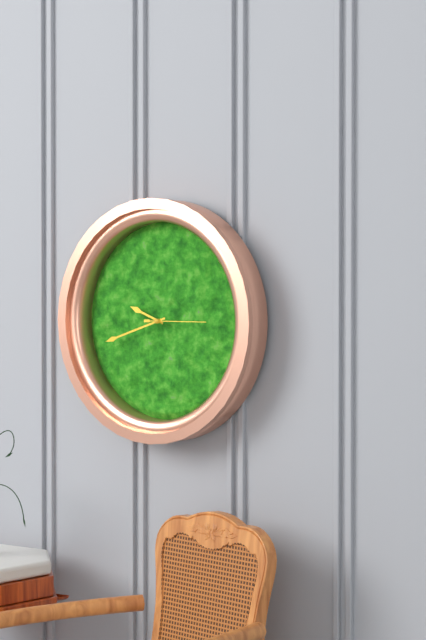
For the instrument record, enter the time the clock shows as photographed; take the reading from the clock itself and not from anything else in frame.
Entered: 9:42
